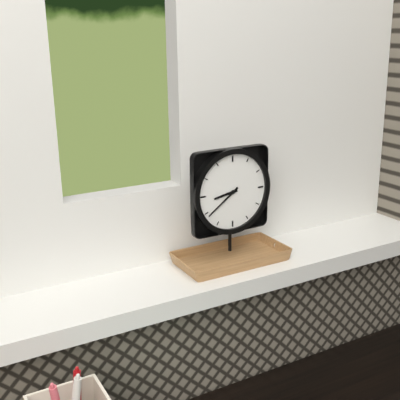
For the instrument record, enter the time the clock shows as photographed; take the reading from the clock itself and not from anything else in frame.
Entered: 8:39
